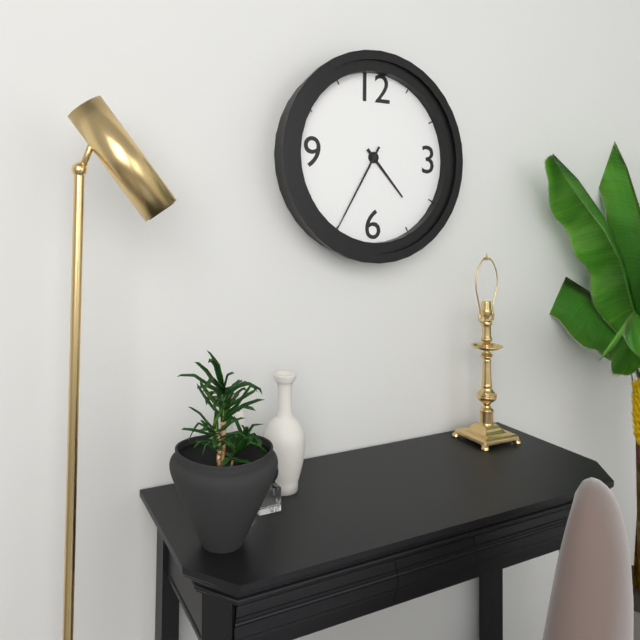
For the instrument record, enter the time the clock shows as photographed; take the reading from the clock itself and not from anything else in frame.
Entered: 4:35
